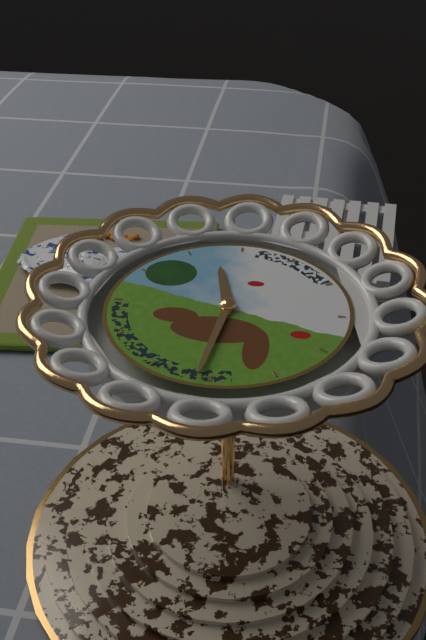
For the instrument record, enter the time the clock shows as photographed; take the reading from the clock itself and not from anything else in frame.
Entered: 11:31
